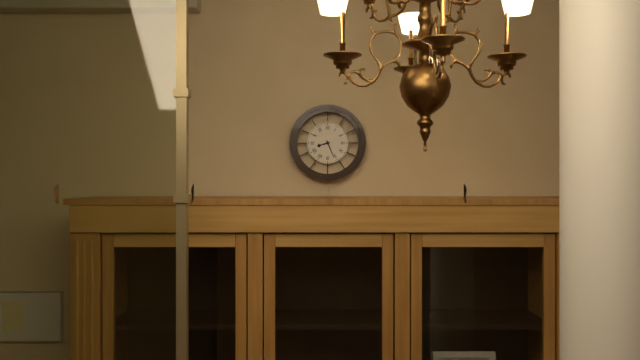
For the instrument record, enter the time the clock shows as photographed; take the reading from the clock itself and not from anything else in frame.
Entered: 8:26
